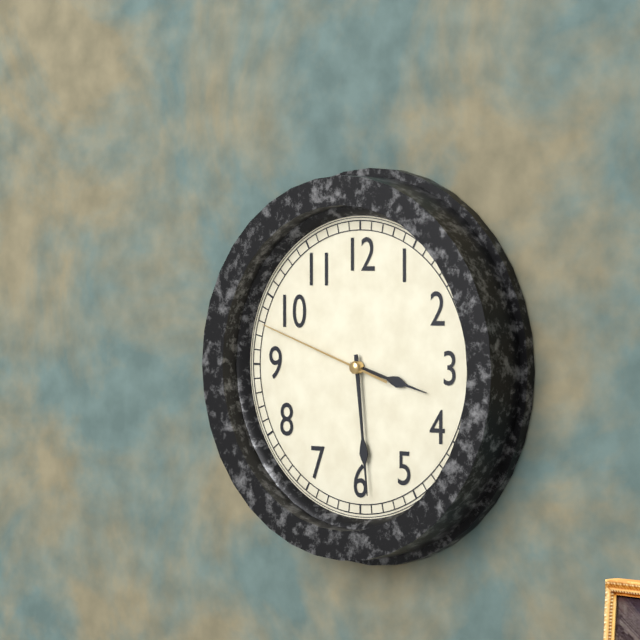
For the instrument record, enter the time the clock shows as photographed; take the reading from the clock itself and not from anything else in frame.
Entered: 3:29:48
